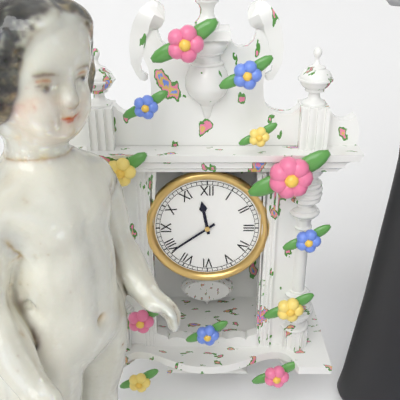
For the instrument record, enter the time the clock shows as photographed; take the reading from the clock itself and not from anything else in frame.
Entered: 11:39
